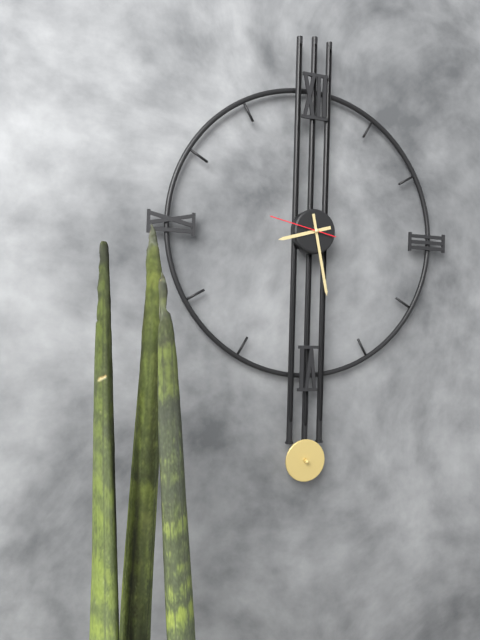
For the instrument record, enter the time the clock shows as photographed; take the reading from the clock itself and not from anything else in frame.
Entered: 8:28:47
